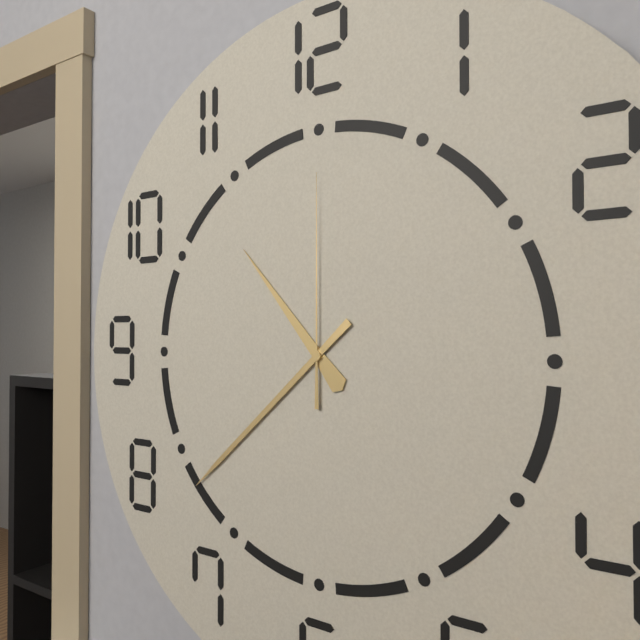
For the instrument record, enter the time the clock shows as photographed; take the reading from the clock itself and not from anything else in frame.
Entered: 10:38:00
